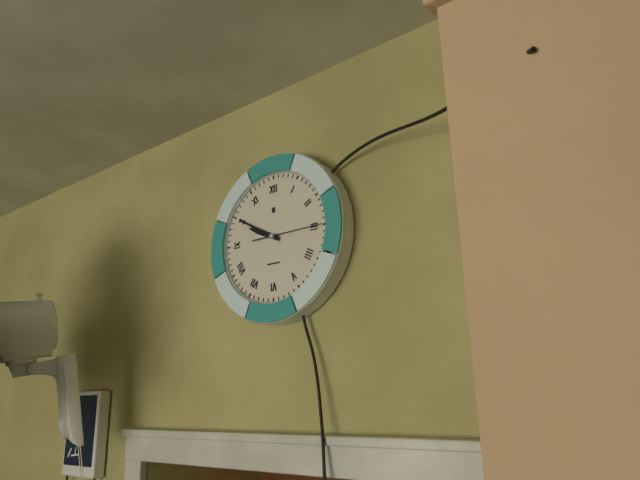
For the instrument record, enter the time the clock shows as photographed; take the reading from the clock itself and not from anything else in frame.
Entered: 9:50:15
